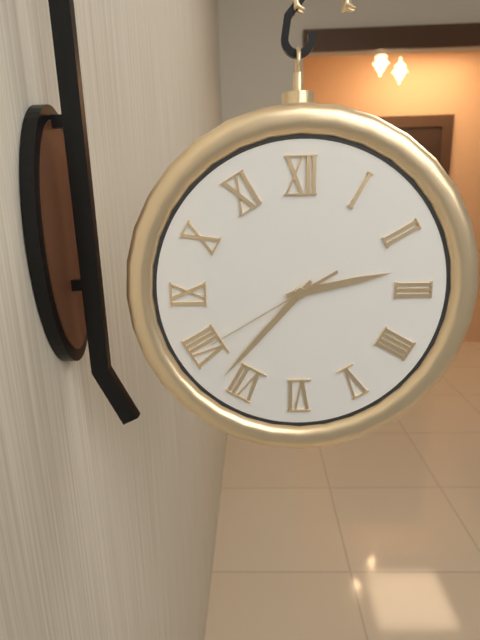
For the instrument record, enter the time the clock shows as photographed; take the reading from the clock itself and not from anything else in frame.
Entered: 2:37:40
